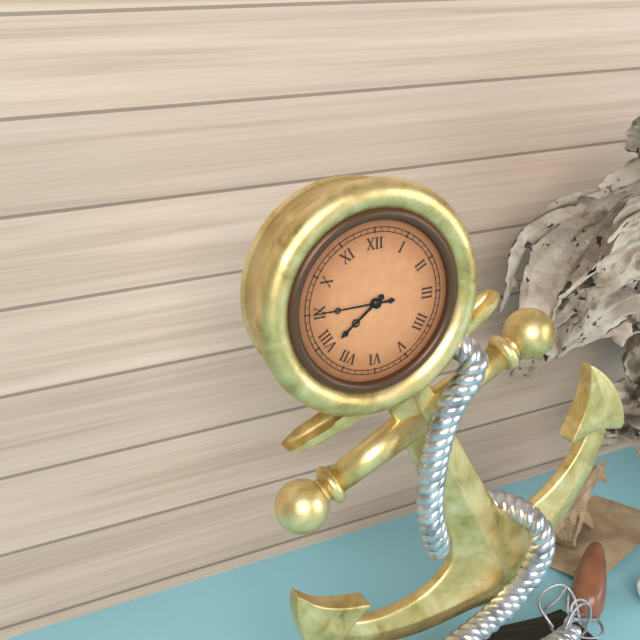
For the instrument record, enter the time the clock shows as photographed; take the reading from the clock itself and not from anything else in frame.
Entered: 7:45
